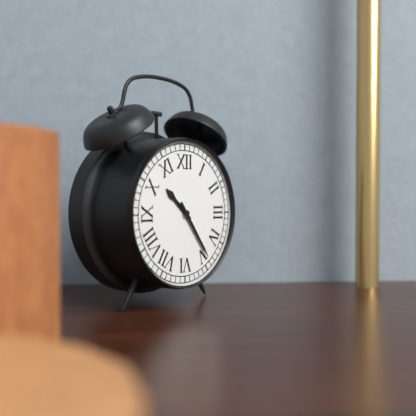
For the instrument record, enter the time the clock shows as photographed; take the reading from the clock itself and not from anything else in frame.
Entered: 10:24
